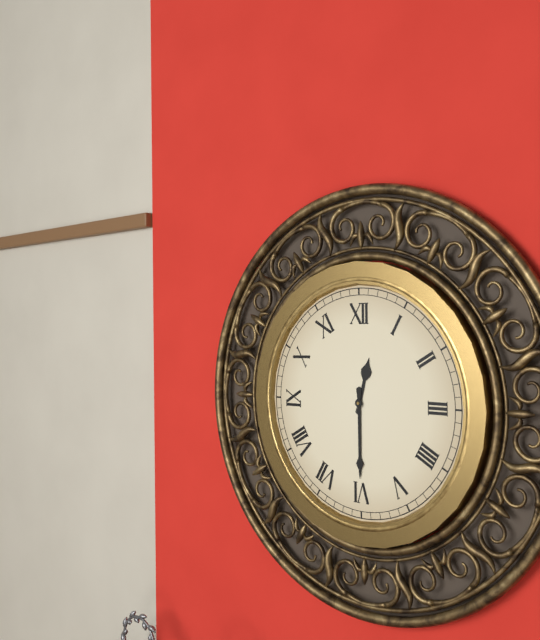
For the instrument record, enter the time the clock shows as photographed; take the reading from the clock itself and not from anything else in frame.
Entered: 12:30
